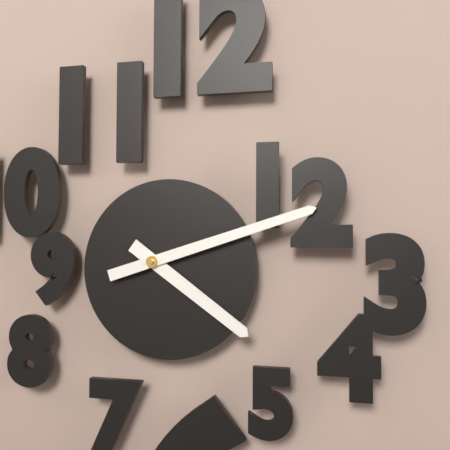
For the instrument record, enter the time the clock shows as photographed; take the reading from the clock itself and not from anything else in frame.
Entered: 4:12
